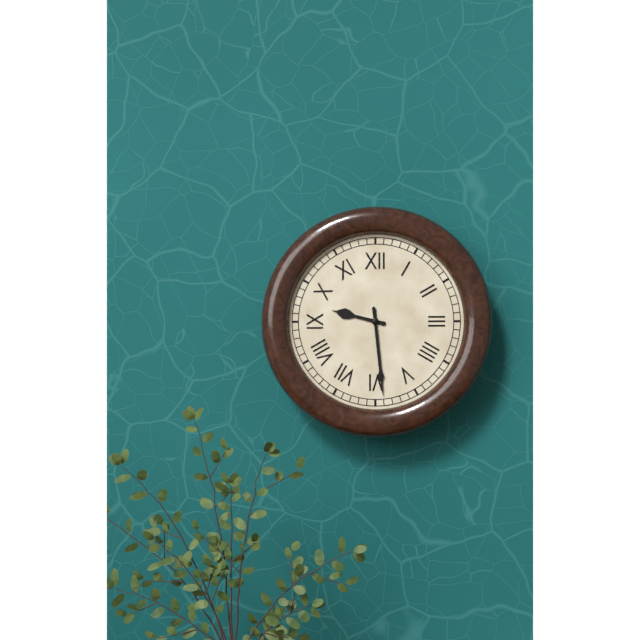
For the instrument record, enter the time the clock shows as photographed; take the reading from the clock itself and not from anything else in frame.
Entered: 9:29
